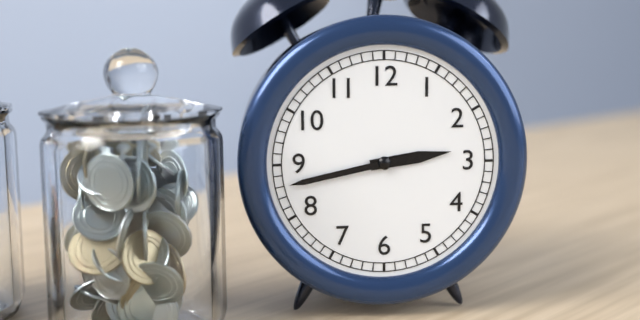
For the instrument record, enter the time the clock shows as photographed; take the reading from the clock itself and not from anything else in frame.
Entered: 2:43
